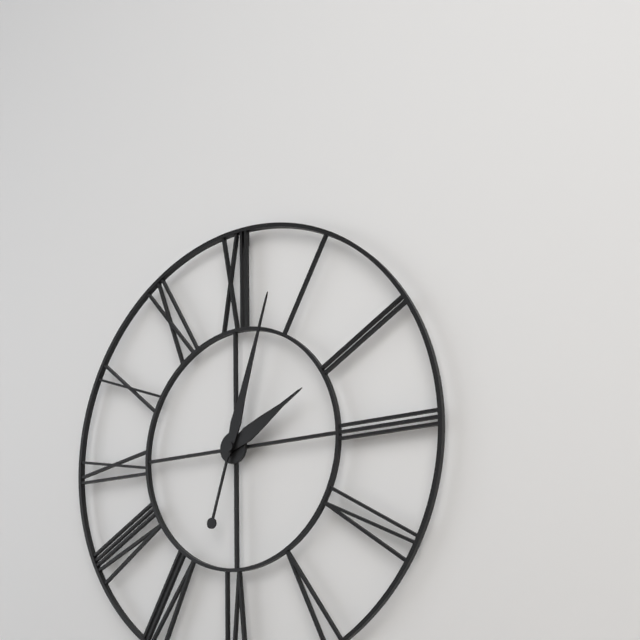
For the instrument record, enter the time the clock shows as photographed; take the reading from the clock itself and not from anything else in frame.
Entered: 2:03
